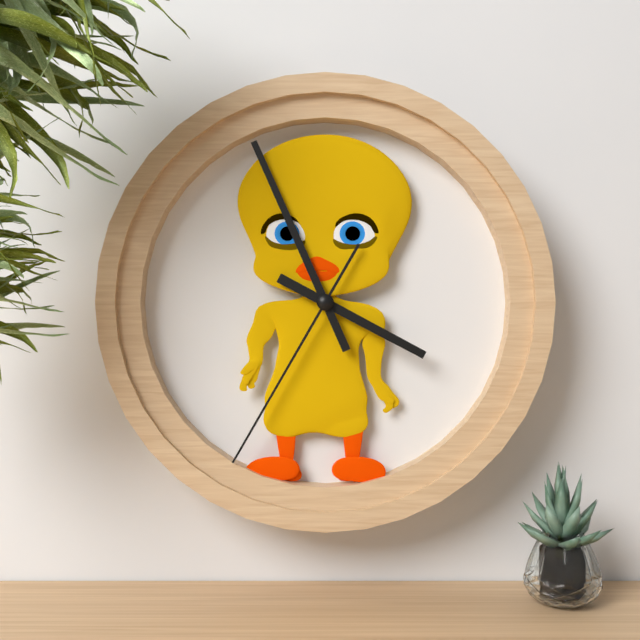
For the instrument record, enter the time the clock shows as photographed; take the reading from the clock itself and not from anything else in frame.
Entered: 3:56:35
